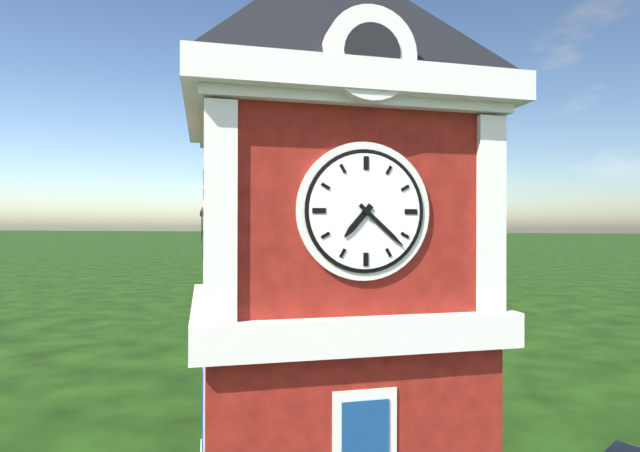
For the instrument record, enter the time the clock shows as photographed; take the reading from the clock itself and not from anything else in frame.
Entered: 7:22
